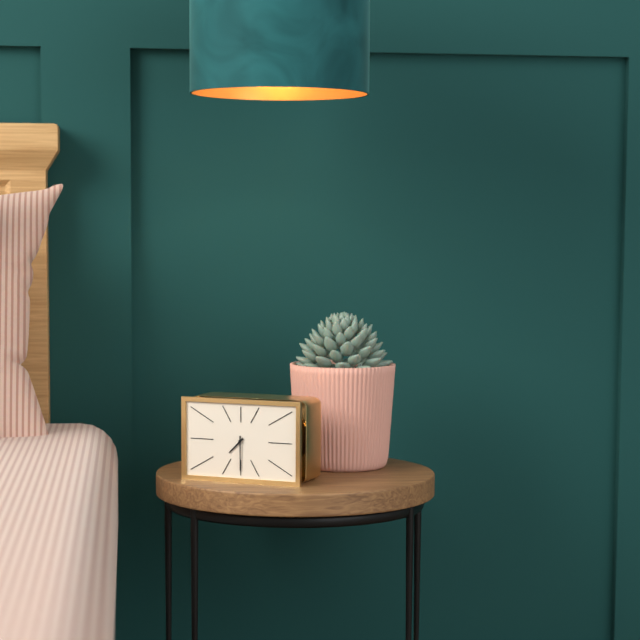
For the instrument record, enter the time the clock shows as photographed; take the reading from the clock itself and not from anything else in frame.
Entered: 7:30
